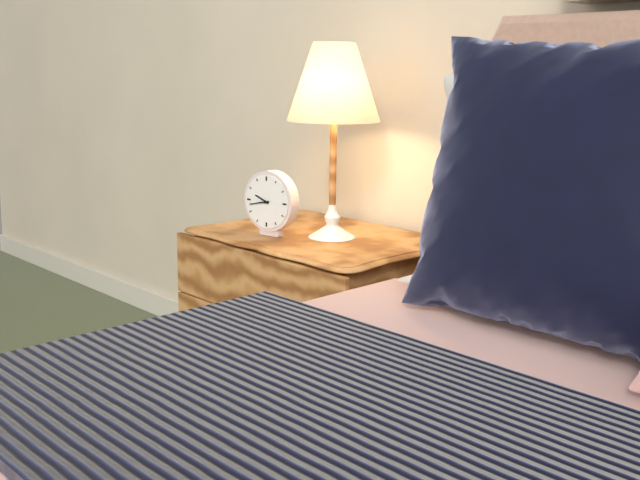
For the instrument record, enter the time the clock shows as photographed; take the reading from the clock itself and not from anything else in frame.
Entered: 9:43
